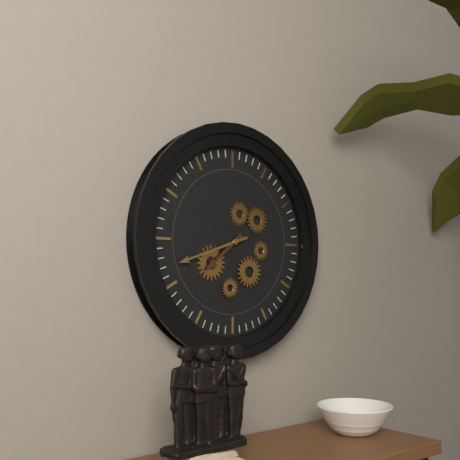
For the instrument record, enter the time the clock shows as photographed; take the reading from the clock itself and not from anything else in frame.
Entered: 7:42
